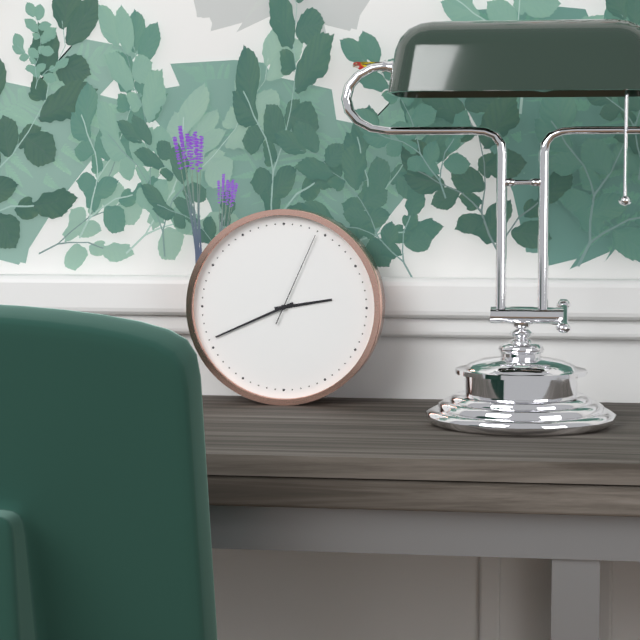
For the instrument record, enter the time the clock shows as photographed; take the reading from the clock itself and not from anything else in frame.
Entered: 2:41:04
